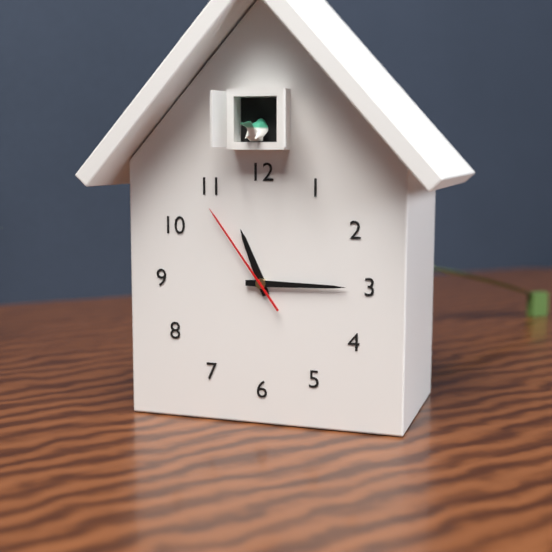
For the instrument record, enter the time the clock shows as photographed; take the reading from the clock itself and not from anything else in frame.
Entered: 11:15:54
